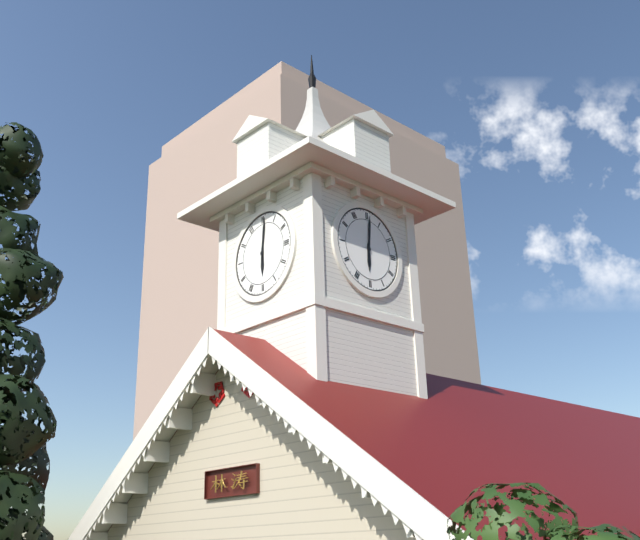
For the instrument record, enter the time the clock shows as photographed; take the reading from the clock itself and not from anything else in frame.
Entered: 6:01
